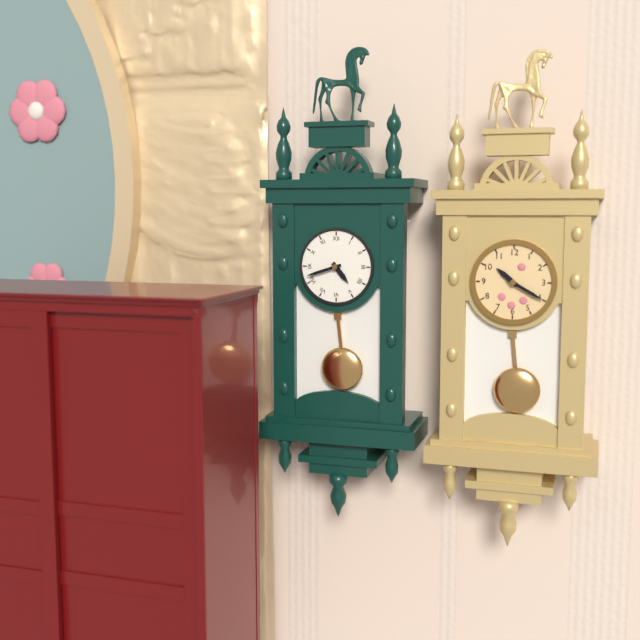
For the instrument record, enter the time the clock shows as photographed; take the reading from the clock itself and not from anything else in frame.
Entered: 4:42
